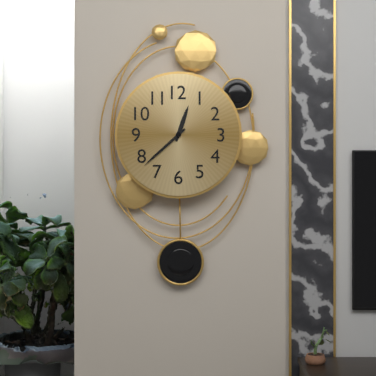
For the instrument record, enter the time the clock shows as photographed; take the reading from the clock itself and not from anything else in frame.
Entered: 12:38
